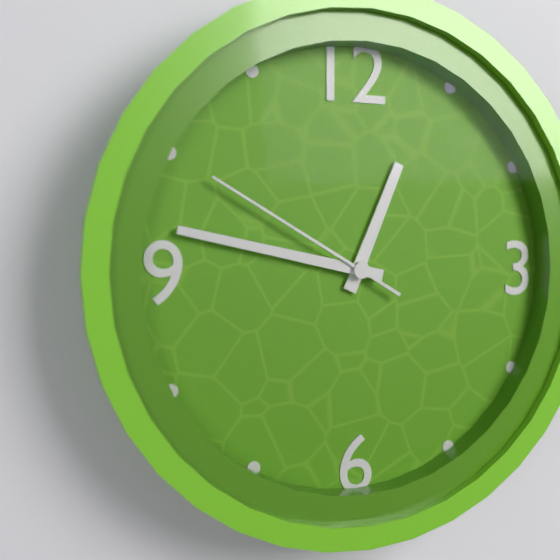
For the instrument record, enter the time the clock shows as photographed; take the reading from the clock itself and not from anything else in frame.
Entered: 12:47:50
